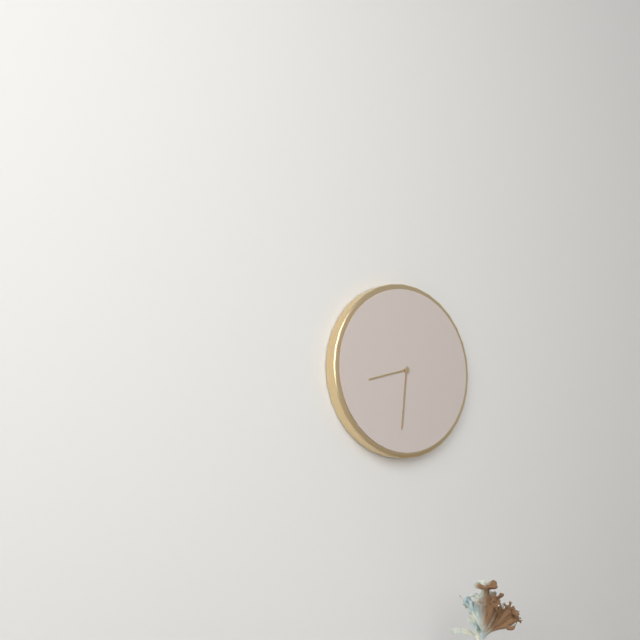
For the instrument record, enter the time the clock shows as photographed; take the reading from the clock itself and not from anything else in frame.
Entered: 8:31
